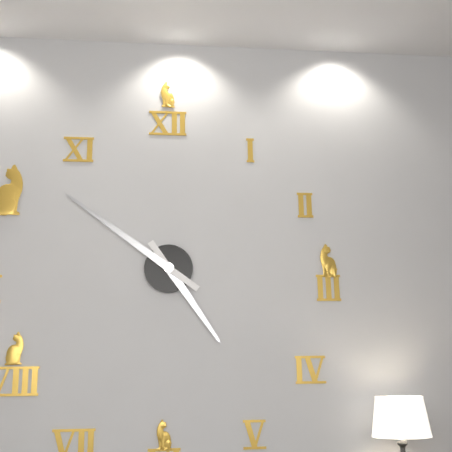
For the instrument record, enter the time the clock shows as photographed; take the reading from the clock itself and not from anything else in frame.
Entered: 4:51
